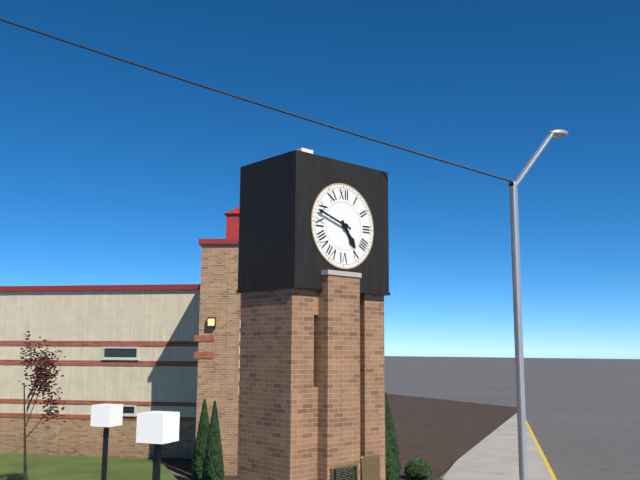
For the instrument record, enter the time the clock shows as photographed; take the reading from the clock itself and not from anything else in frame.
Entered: 4:48
